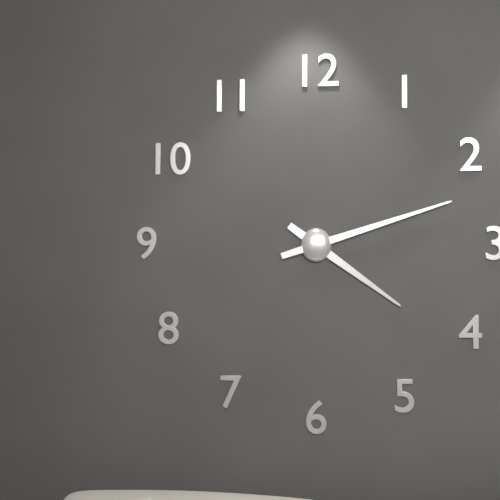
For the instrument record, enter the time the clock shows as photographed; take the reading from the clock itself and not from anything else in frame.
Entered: 4:12
